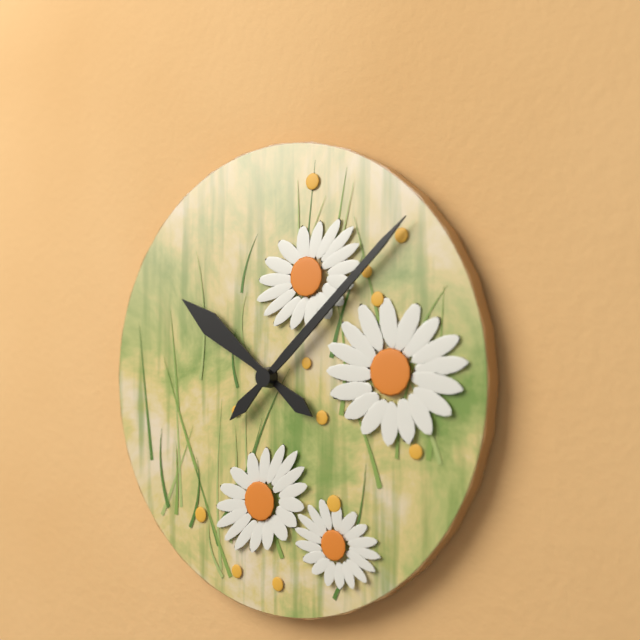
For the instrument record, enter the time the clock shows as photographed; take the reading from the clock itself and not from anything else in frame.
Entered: 10:08
